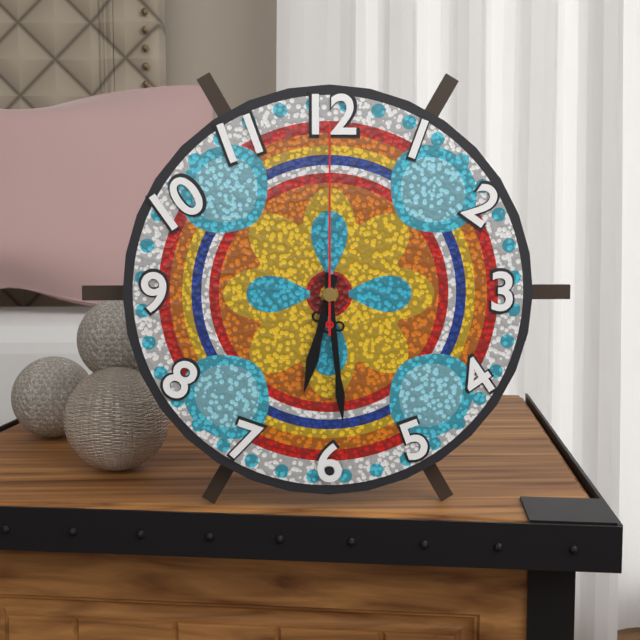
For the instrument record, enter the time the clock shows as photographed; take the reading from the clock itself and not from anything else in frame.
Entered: 6:29:00
